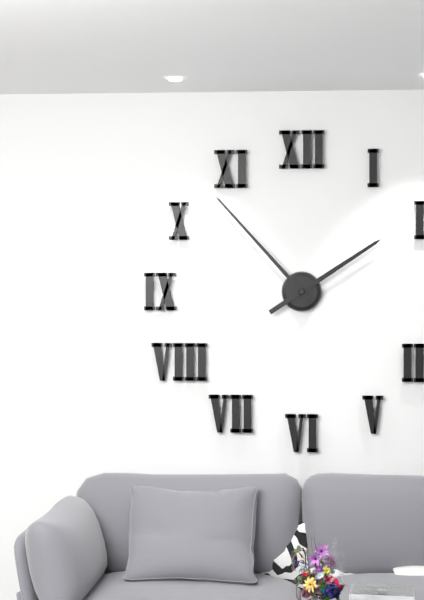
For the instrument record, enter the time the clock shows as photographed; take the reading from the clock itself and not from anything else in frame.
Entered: 1:53
